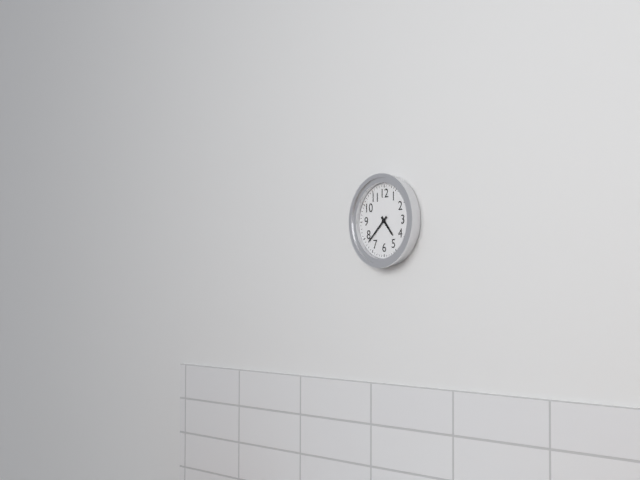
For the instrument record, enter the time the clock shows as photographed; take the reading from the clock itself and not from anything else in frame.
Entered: 4:38
